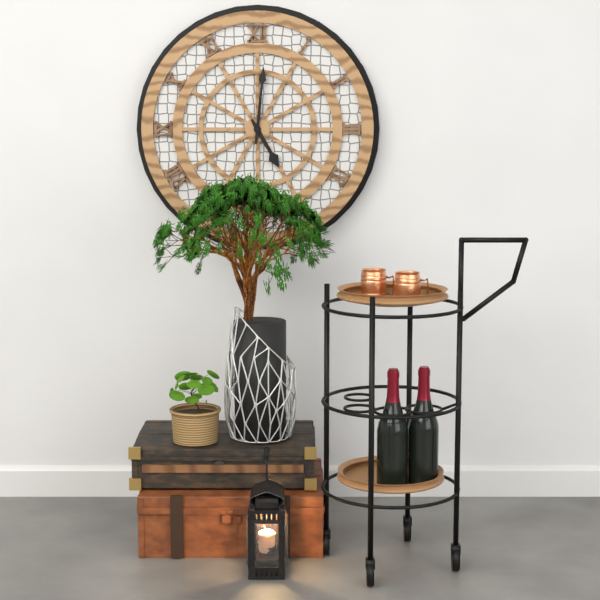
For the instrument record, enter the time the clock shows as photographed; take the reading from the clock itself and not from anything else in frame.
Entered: 5:01
